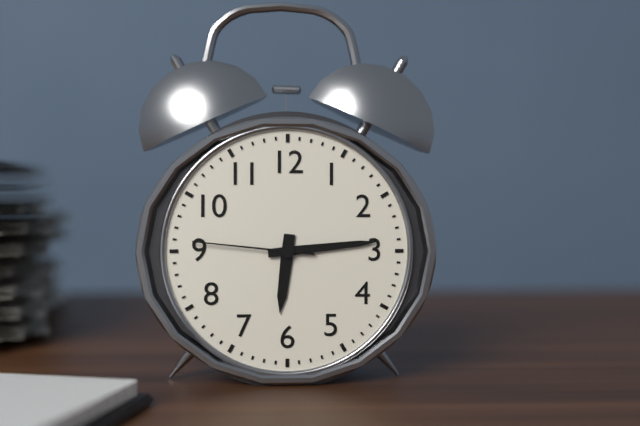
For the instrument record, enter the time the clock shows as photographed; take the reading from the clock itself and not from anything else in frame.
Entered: 6:14:46
